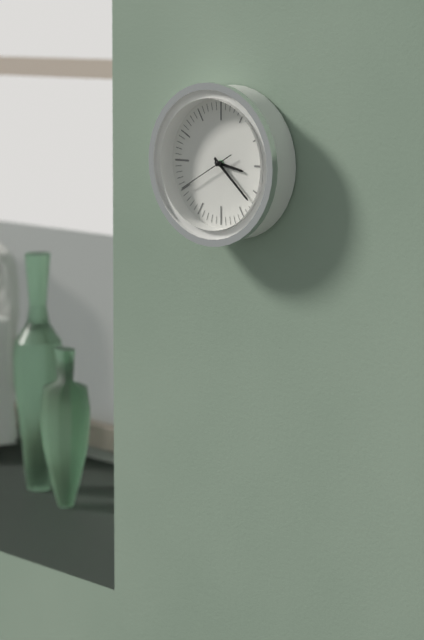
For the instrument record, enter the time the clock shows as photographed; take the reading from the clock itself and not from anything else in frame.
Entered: 3:22:40
